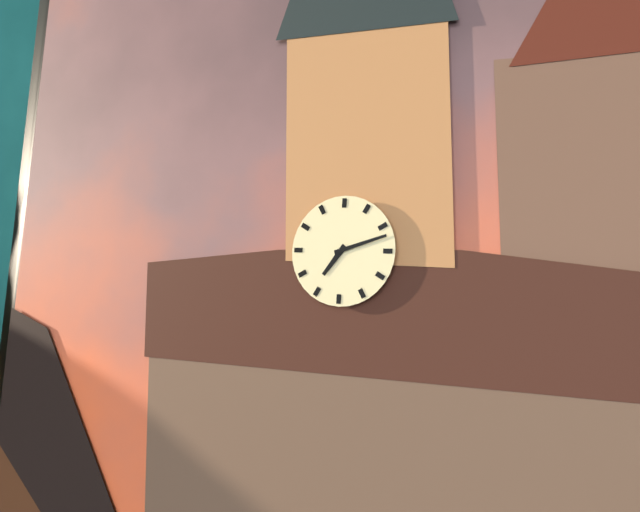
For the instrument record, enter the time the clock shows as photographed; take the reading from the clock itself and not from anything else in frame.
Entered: 7:12
